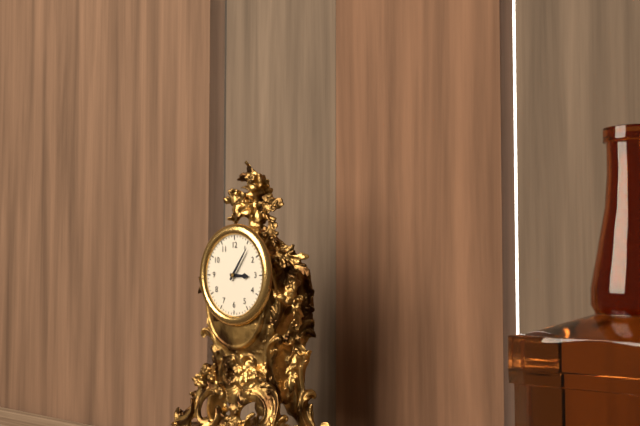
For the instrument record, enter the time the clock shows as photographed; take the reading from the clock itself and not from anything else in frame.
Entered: 3:06
